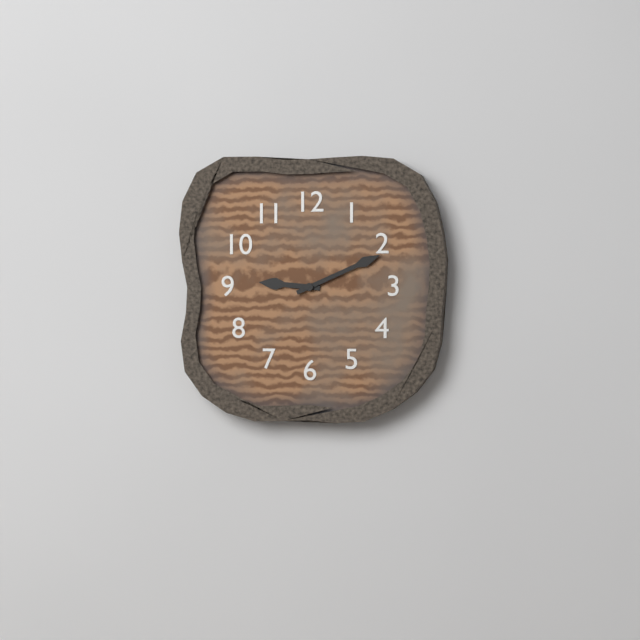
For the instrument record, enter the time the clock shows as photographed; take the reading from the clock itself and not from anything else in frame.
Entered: 9:11
